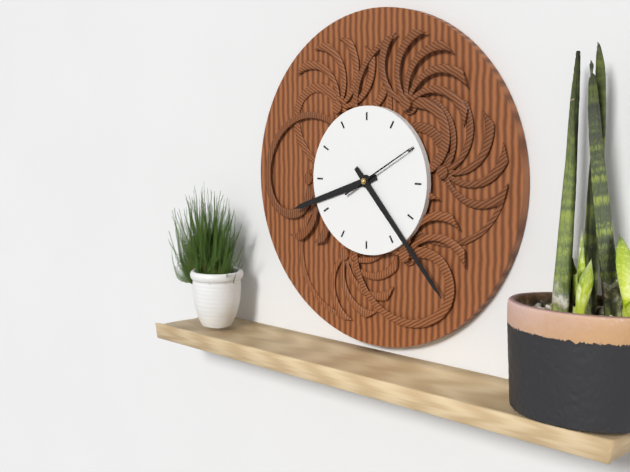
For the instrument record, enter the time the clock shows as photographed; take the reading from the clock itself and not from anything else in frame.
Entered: 8:23:10
